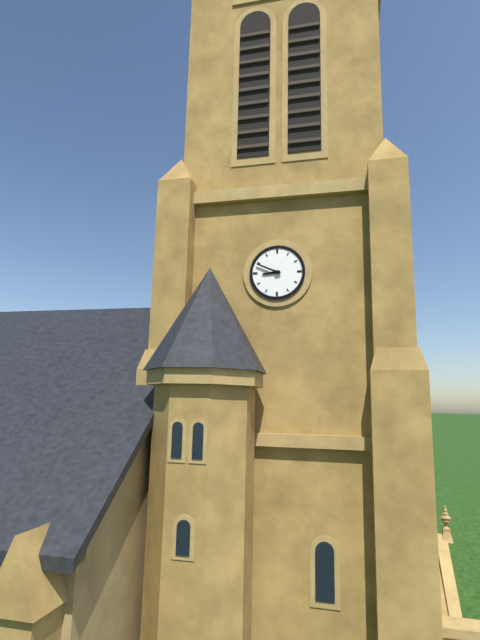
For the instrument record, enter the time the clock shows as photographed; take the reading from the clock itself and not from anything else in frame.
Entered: 8:49
